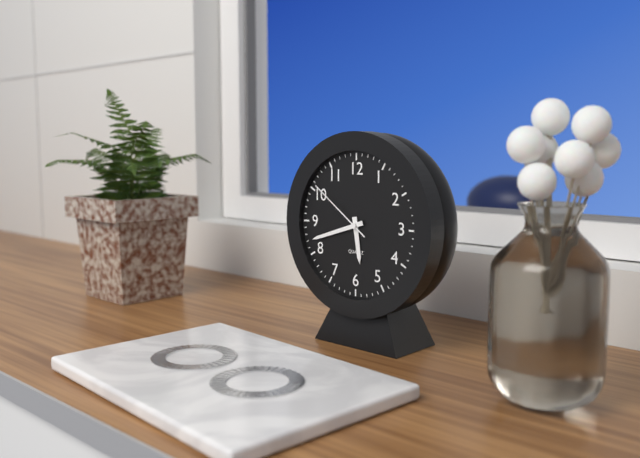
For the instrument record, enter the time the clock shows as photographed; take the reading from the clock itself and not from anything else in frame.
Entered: 5:42:51
